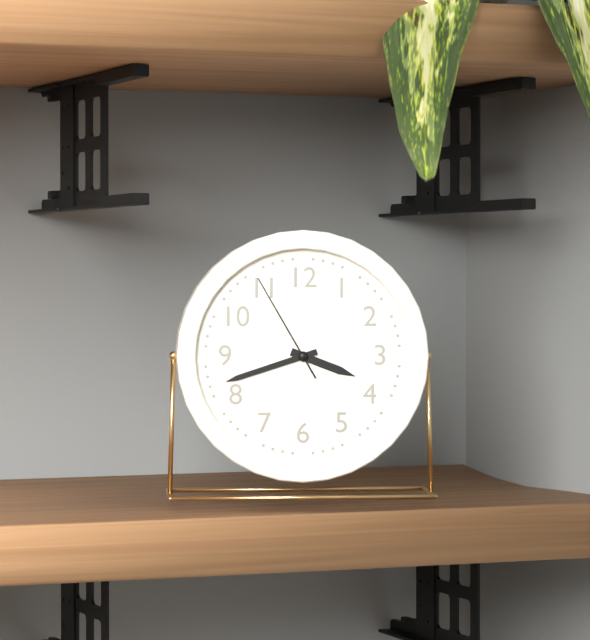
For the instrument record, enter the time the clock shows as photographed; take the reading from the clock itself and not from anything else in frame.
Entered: 3:42:55
